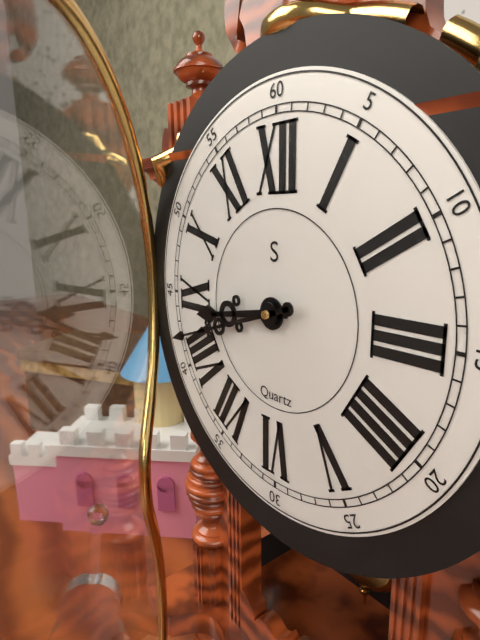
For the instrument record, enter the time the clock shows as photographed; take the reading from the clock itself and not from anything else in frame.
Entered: 8:42
